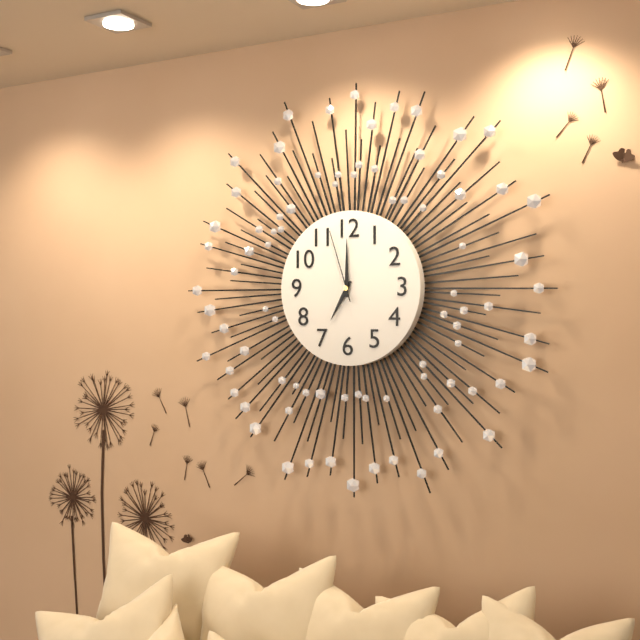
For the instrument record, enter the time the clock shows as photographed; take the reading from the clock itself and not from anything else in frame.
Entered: 7:00:57
